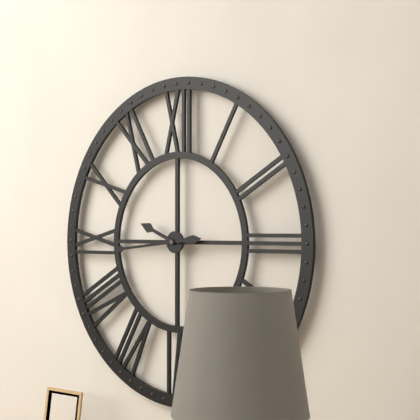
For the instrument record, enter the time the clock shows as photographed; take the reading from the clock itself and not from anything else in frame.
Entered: 9:44
